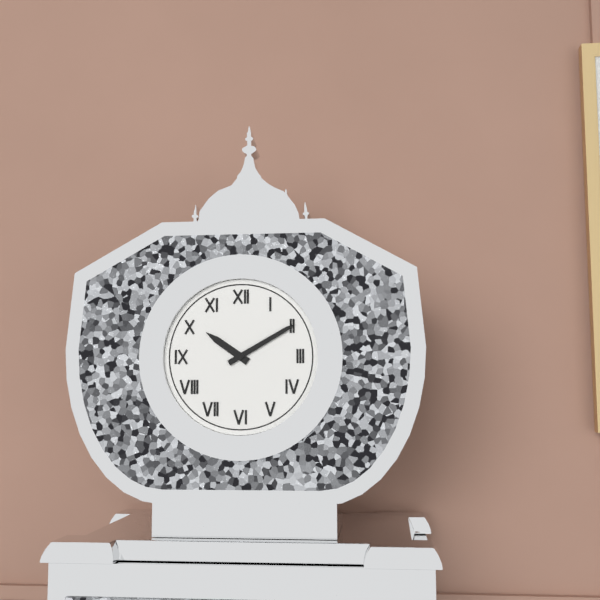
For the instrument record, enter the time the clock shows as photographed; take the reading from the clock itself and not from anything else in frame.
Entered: 10:10
